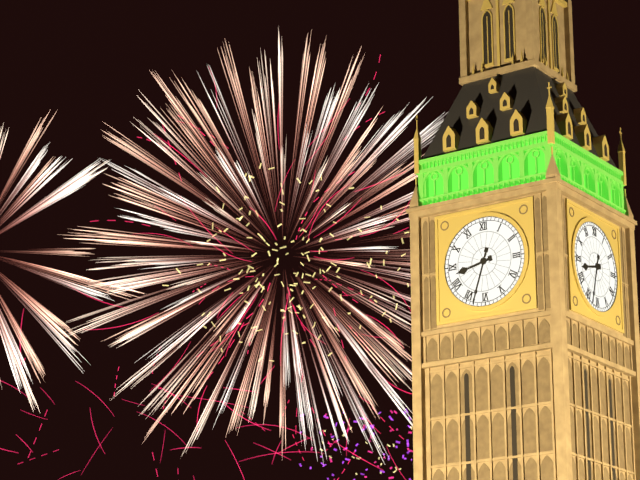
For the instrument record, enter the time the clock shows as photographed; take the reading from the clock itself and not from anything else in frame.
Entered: 8:33
